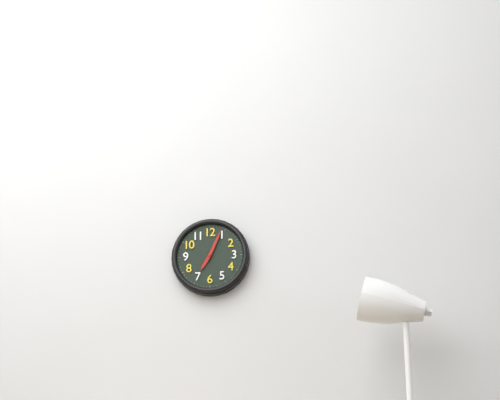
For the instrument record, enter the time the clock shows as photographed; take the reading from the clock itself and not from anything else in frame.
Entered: 7:04
